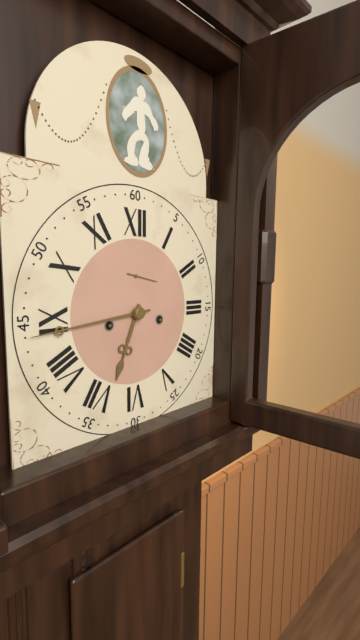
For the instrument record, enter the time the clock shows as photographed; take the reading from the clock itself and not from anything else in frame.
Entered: 6:44
